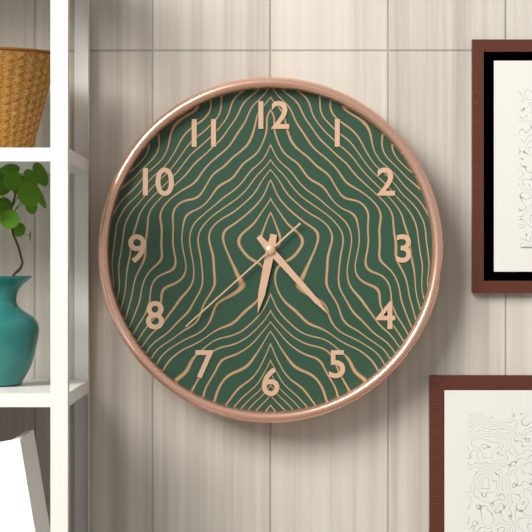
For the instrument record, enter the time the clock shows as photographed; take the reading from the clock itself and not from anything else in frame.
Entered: 6:23:38
